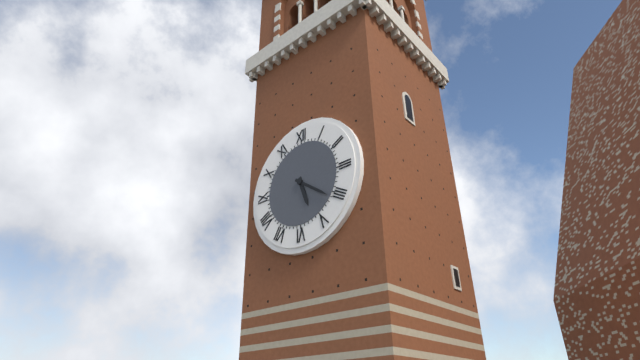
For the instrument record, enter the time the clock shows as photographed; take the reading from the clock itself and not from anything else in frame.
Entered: 5:21
